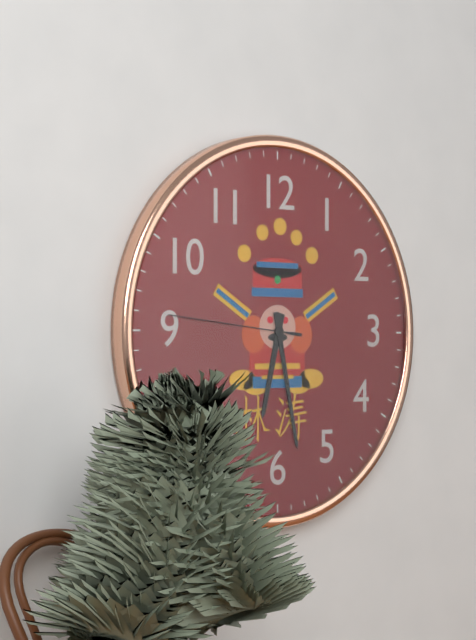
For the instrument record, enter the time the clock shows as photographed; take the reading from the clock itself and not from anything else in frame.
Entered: 6:28:46
